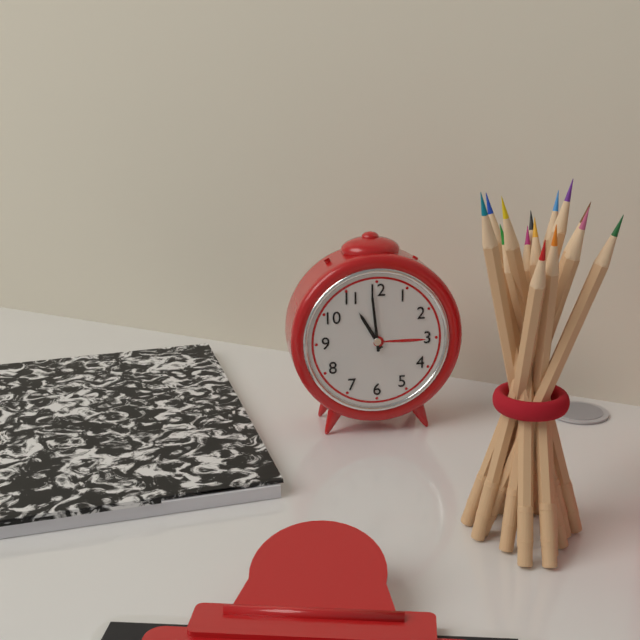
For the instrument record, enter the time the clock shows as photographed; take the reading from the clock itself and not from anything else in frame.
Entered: 10:59
